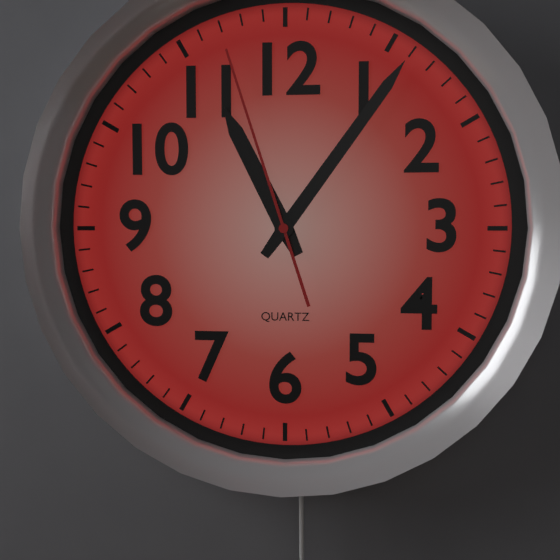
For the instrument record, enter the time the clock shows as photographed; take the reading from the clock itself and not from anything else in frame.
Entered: 11:06:57
